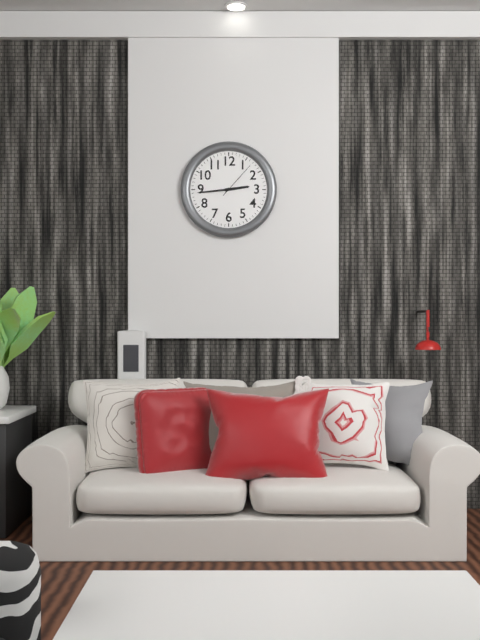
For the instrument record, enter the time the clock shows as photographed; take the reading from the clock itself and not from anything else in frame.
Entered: 2:44
